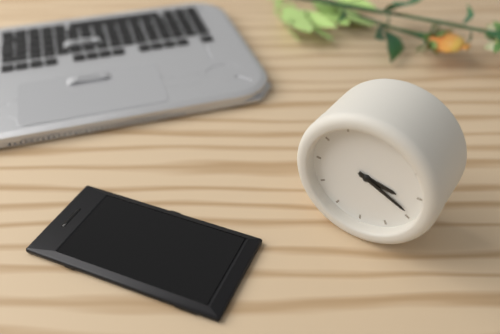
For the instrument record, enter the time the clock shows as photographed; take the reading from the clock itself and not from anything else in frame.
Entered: 3:19
